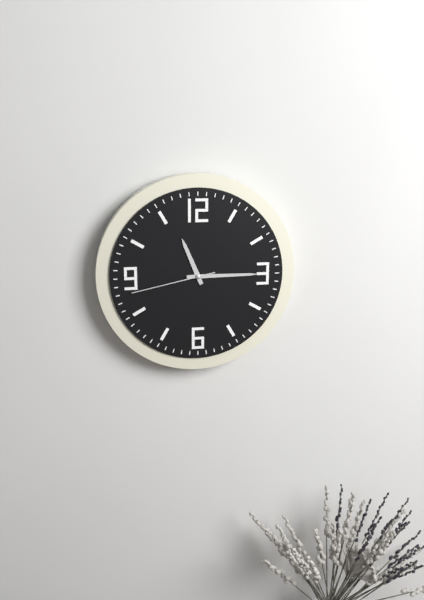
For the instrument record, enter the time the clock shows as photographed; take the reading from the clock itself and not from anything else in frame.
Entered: 11:15:43
